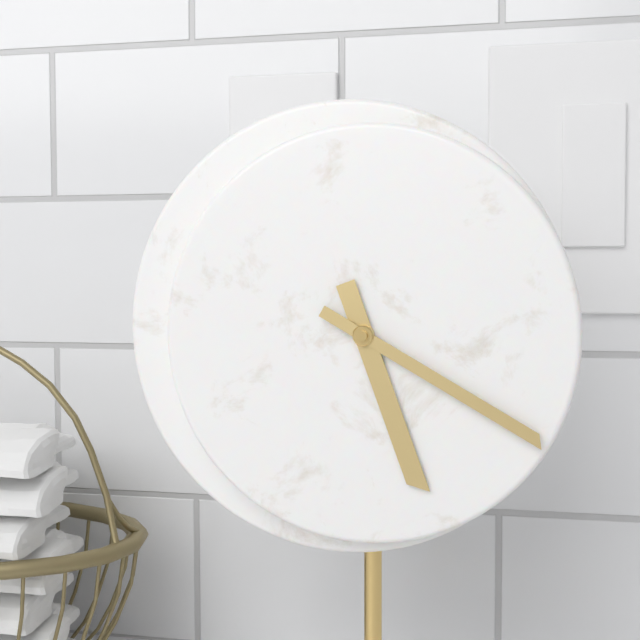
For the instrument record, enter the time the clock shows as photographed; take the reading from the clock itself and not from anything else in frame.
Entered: 5:20
